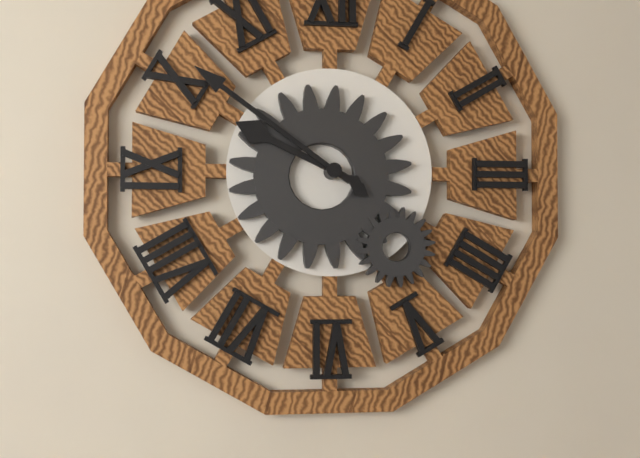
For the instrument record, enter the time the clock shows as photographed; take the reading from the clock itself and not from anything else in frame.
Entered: 9:51
